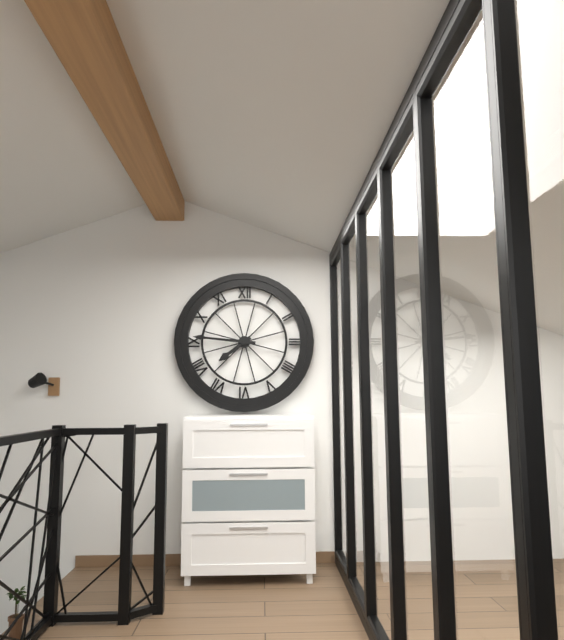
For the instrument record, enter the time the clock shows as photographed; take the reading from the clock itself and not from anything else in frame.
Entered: 7:46
